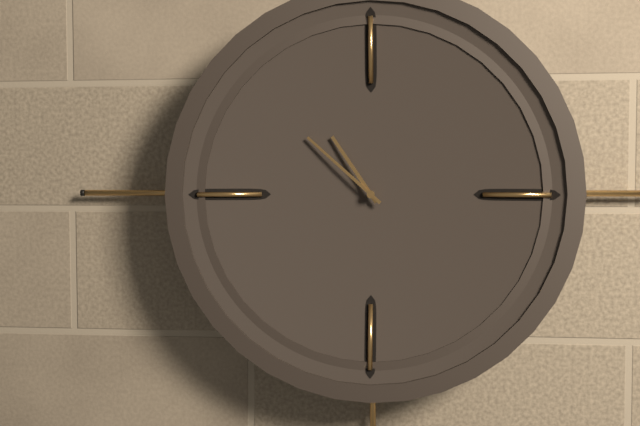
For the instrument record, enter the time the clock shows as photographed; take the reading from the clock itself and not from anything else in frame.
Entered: 10:52
